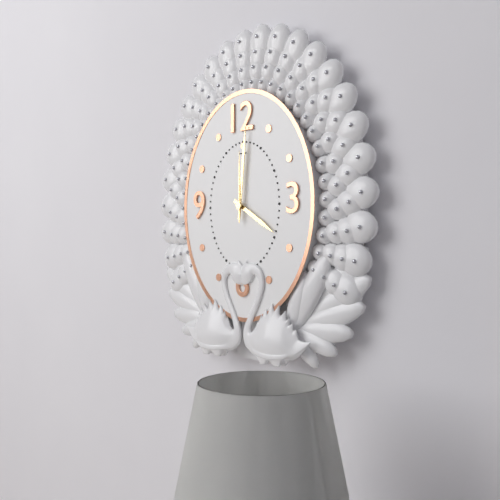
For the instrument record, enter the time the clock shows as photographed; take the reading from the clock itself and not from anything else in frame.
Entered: 4:01:00
